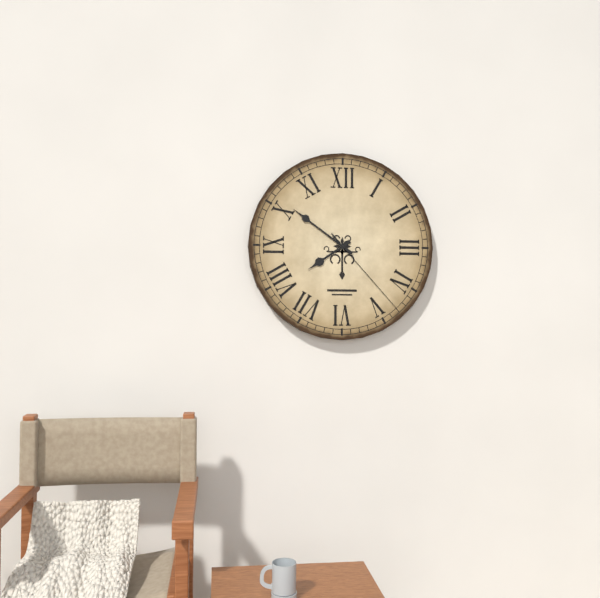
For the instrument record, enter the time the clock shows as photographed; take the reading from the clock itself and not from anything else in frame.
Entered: 7:51:23
